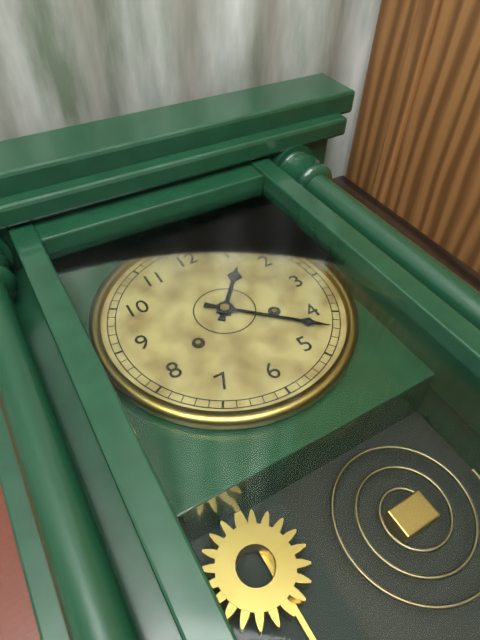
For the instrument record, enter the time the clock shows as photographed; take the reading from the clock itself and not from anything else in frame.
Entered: 1:22
